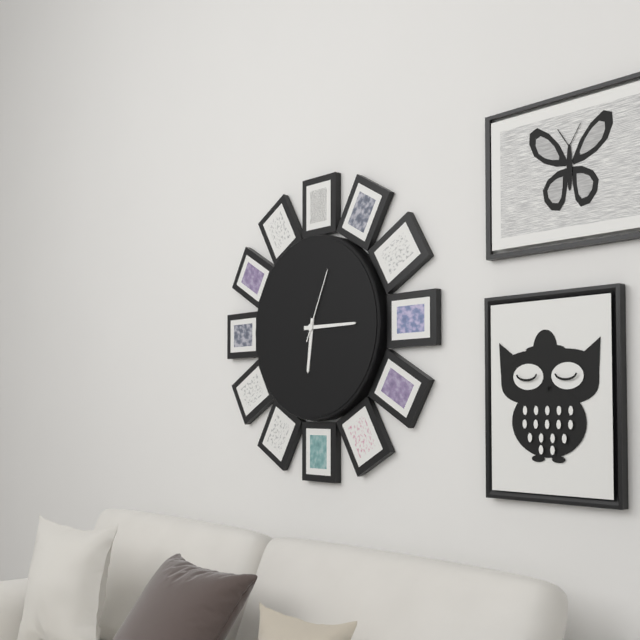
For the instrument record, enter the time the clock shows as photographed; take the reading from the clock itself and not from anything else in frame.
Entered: 6:15:04
